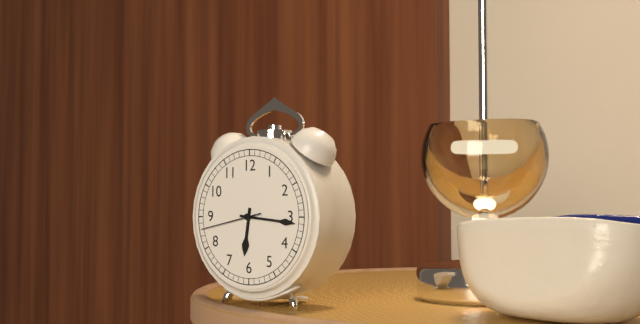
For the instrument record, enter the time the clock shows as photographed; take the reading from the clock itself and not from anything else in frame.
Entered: 6:16:43
